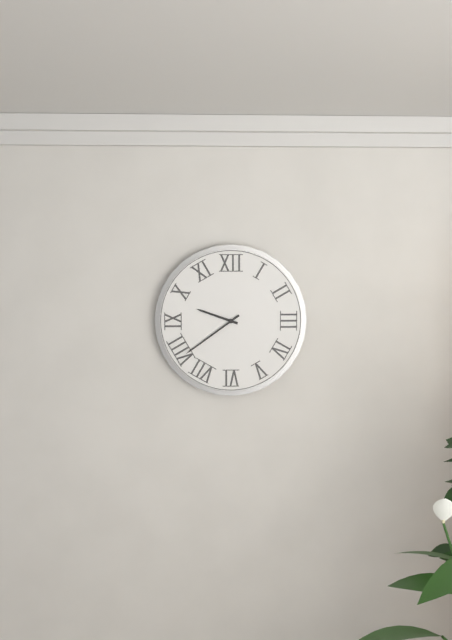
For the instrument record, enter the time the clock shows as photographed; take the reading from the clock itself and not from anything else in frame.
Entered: 9:39
